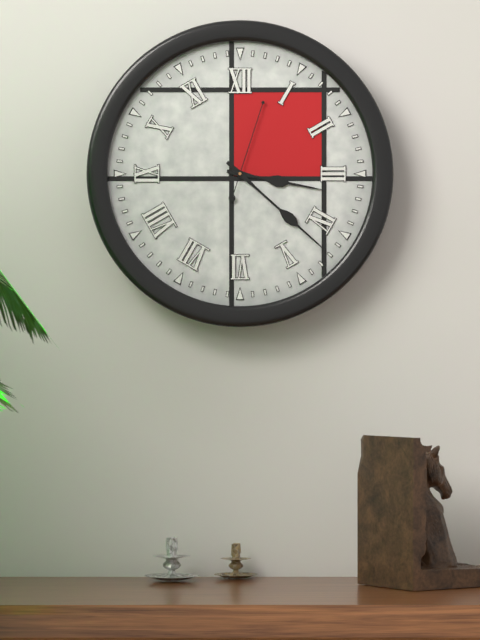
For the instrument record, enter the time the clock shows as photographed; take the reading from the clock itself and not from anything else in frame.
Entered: 3:22:03
